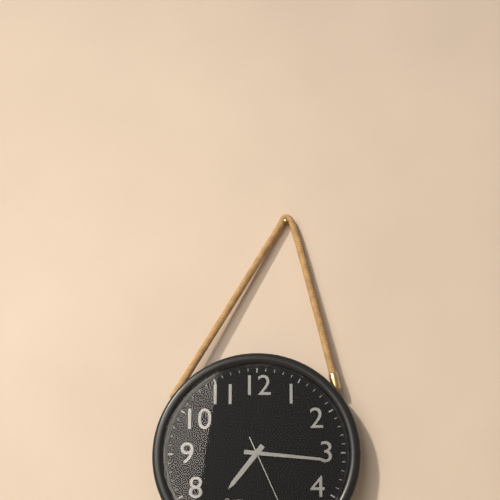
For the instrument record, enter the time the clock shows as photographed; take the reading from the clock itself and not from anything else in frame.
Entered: 7:16
